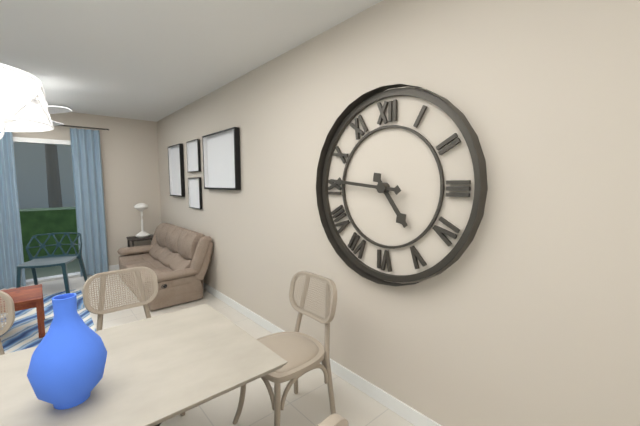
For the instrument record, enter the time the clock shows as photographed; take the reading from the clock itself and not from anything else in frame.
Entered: 4:46
